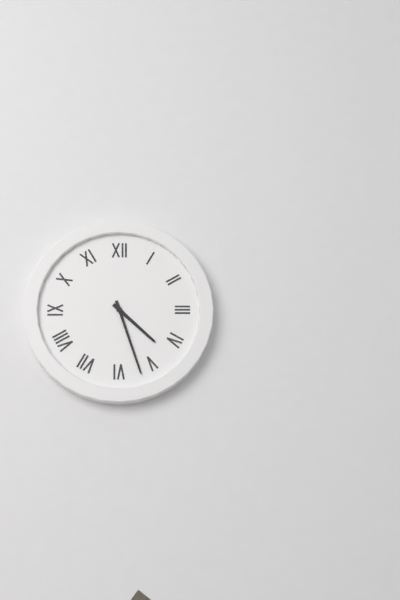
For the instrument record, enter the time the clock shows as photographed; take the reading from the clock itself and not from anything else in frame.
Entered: 4:27
